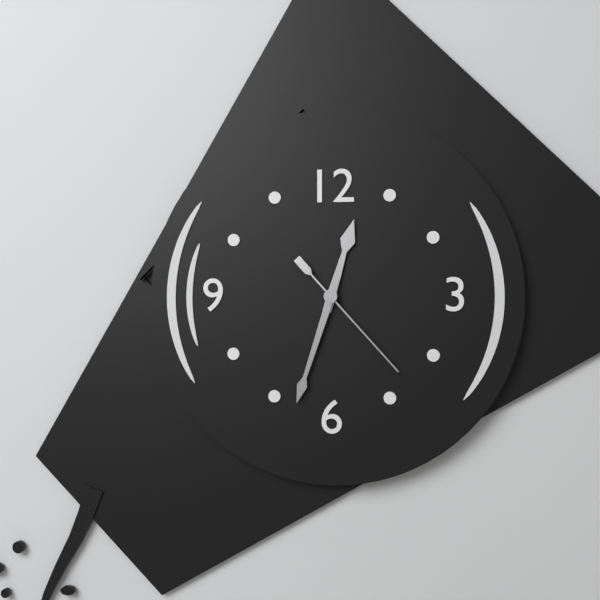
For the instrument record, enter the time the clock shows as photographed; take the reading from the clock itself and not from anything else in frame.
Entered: 12:33:23
